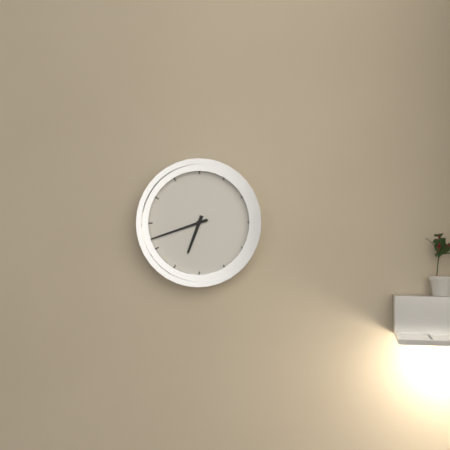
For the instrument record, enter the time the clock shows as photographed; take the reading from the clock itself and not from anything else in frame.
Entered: 6:42
